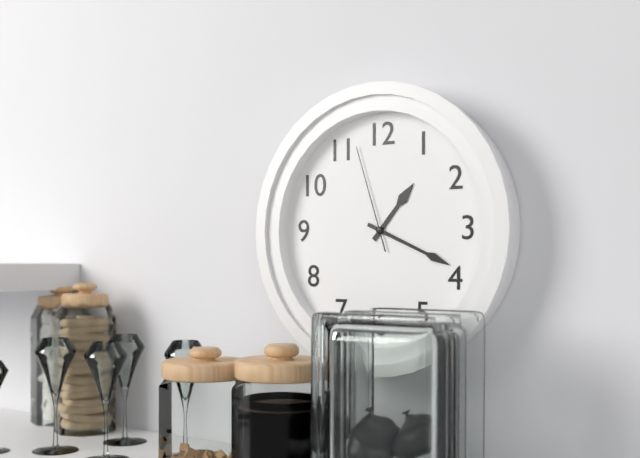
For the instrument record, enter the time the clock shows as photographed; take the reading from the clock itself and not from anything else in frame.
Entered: 1:19:57
